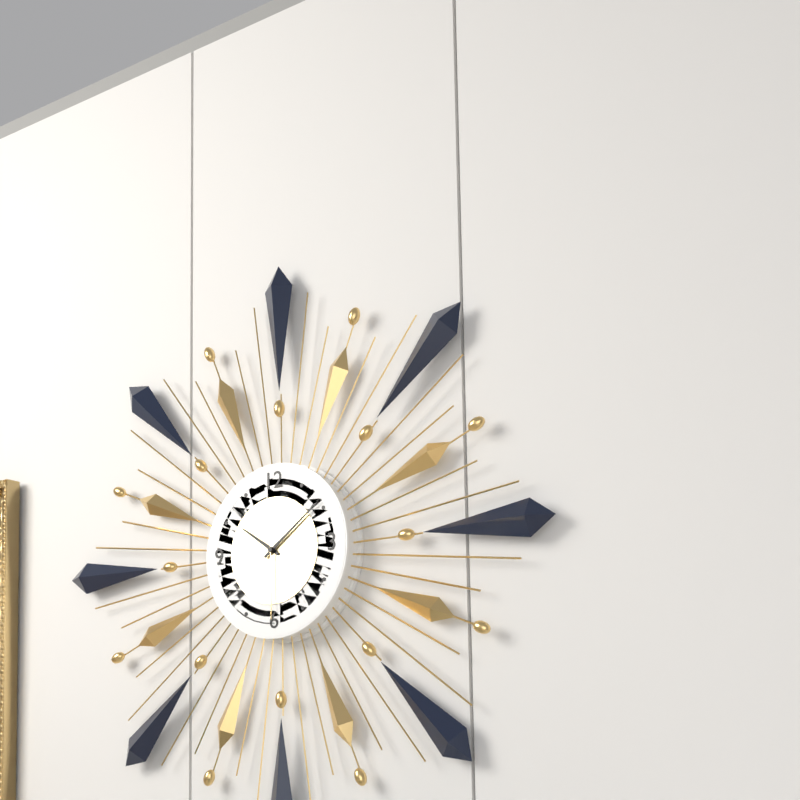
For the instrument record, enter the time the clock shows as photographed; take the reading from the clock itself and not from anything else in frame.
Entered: 10:09:30
